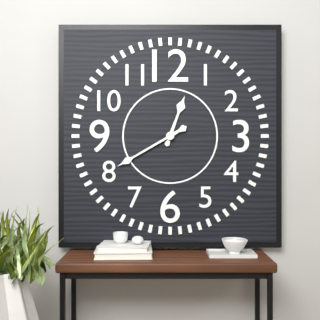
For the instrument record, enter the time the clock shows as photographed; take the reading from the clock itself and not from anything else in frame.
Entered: 12:40
